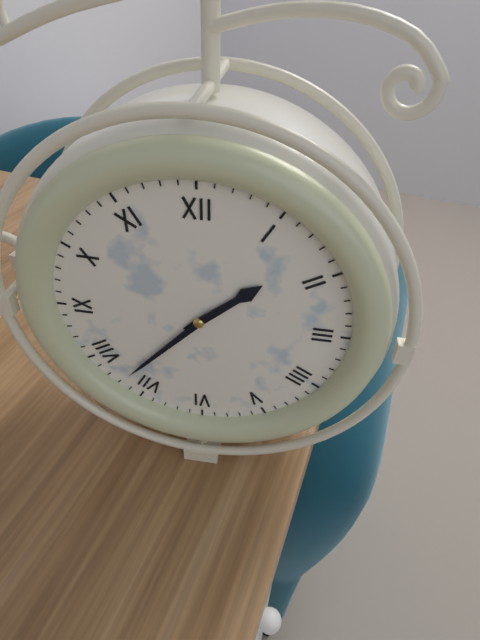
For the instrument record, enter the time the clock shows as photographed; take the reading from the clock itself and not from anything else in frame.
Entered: 1:37
